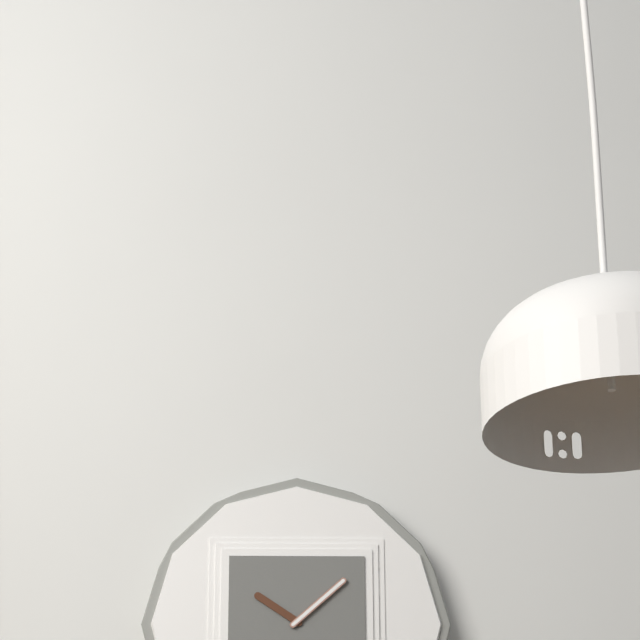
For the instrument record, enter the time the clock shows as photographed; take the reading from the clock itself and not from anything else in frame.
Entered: 10:08
